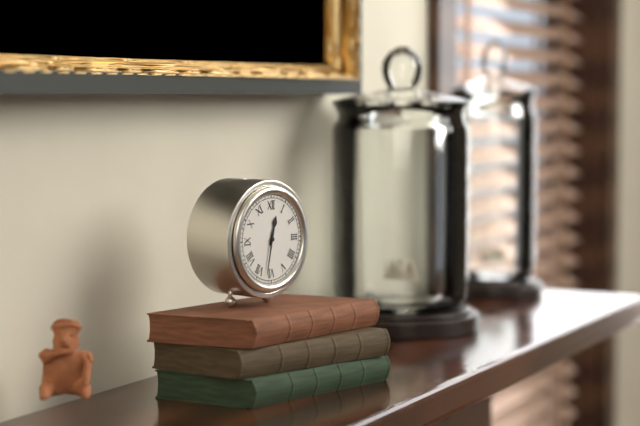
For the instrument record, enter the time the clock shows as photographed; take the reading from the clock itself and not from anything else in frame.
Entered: 12:32
